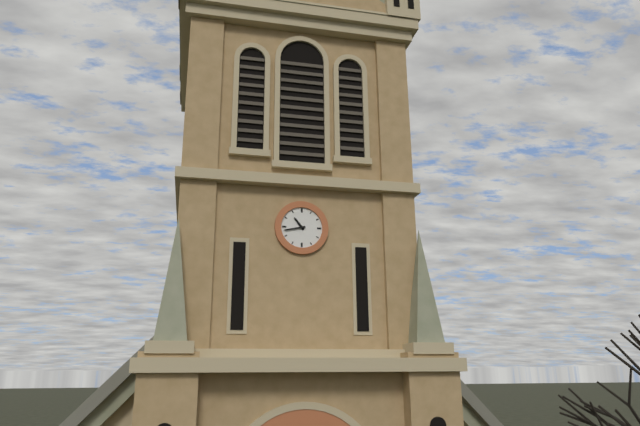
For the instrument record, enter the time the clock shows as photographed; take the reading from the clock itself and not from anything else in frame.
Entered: 10:43
